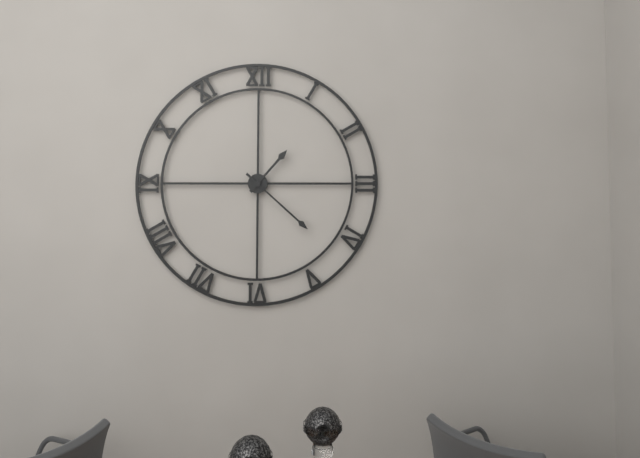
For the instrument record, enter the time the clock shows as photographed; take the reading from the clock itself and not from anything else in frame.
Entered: 1:22
